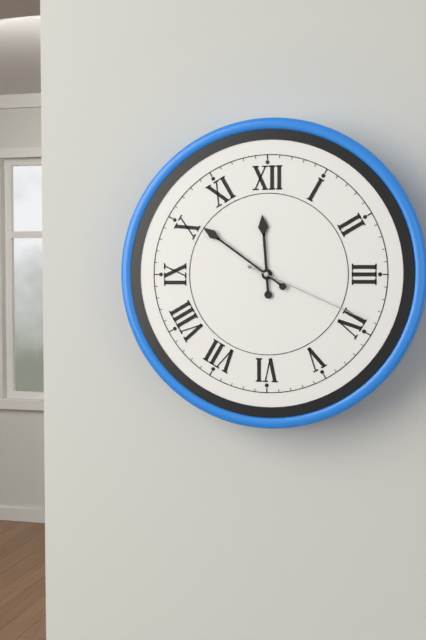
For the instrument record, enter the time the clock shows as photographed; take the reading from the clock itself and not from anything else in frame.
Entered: 11:51:19
